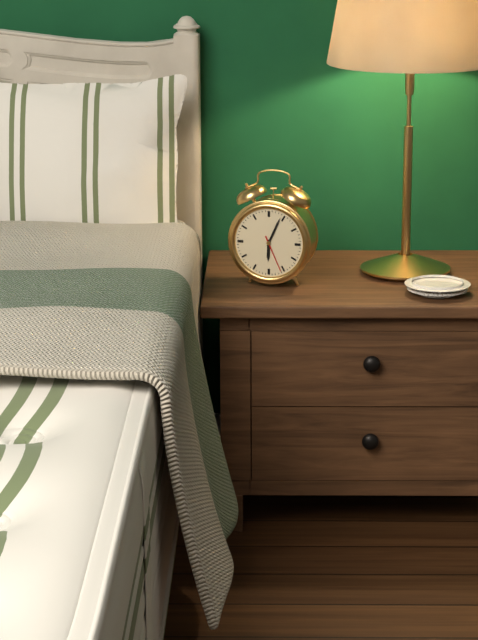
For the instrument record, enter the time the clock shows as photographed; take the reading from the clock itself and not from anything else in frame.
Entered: 6:04
